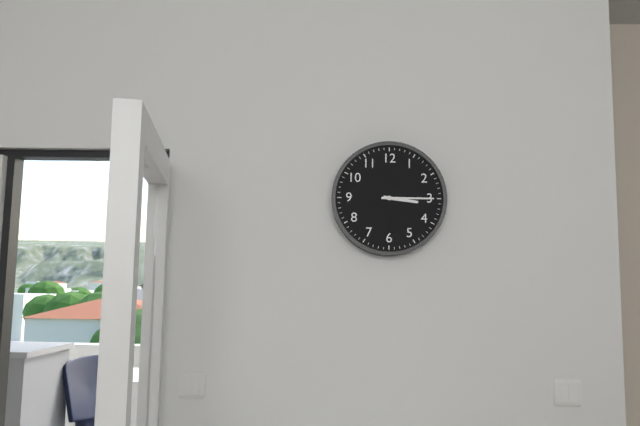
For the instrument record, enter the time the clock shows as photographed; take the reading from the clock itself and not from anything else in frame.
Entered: 3:15
